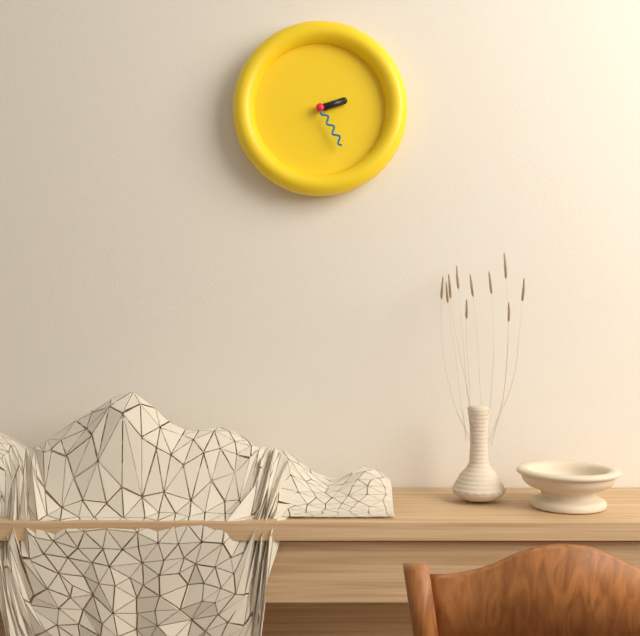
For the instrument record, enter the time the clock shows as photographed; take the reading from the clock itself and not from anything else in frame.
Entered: 2:25
